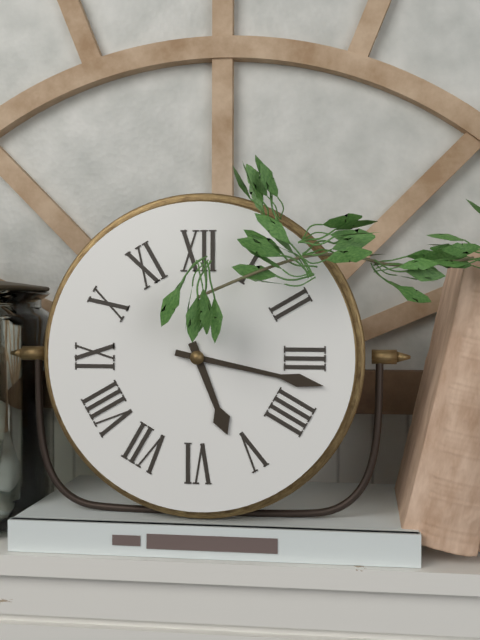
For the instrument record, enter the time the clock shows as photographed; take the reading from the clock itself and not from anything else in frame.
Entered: 5:17
